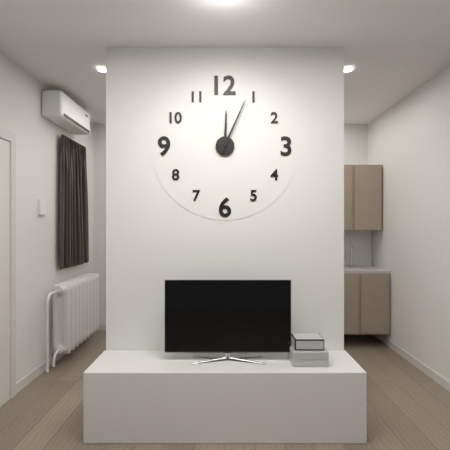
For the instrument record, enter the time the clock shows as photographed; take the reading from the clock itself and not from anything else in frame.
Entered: 12:04
